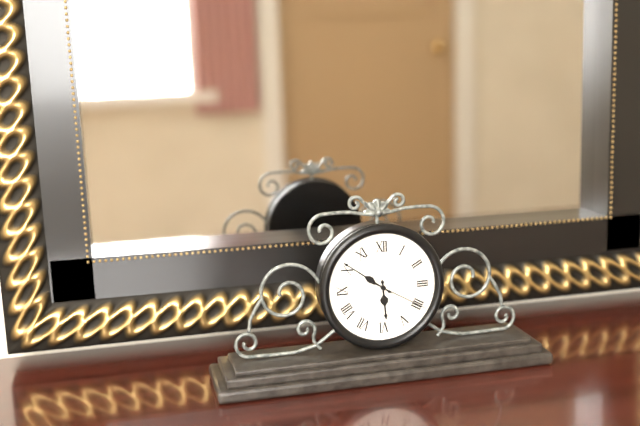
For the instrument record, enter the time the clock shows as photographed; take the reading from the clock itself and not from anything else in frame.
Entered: 5:51:20
